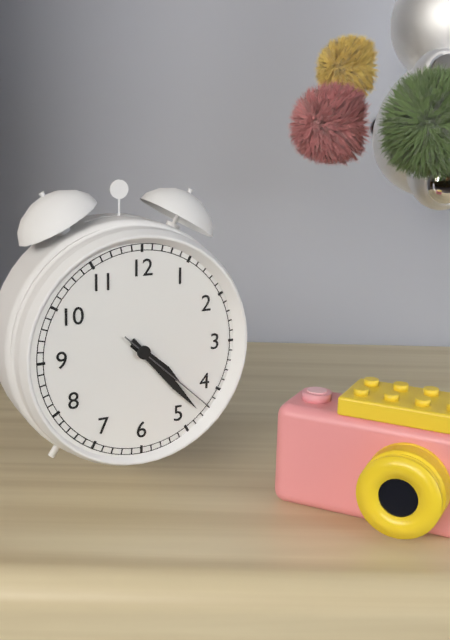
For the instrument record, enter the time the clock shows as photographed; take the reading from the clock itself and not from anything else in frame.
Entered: 4:23:22
